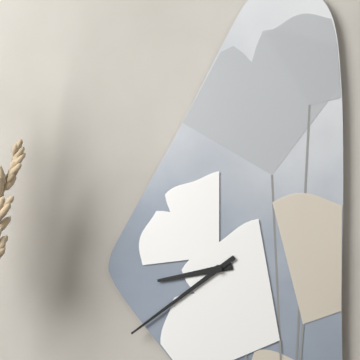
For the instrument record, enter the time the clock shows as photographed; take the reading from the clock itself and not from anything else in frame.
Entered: 8:39
